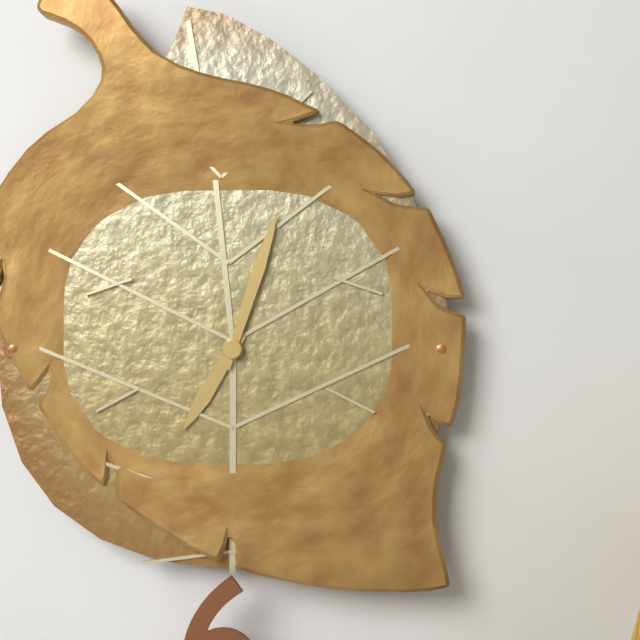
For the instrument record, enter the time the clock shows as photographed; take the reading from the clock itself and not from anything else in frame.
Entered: 7:03
